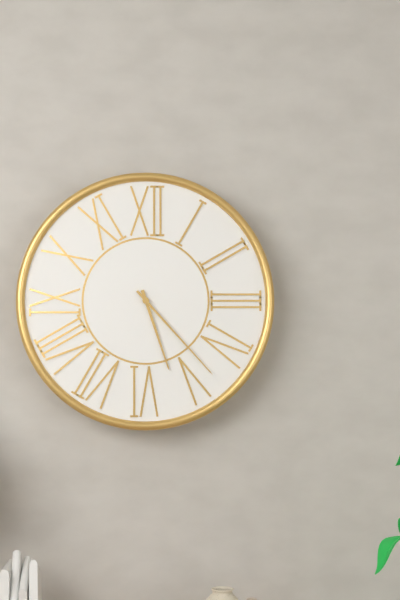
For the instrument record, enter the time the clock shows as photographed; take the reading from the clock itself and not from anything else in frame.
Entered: 5:23
